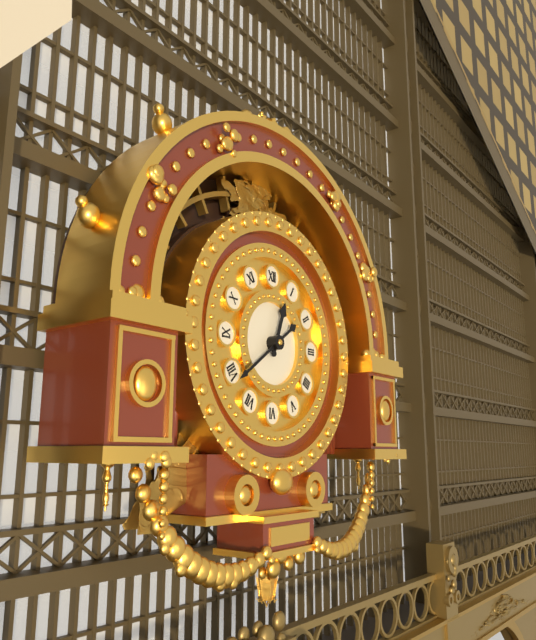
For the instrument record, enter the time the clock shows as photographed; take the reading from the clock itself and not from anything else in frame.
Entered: 12:39
